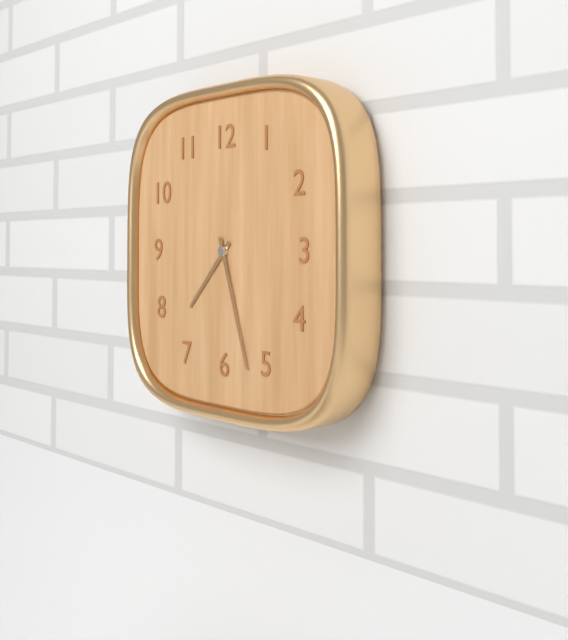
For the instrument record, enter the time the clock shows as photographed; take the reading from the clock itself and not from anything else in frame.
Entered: 7:27
